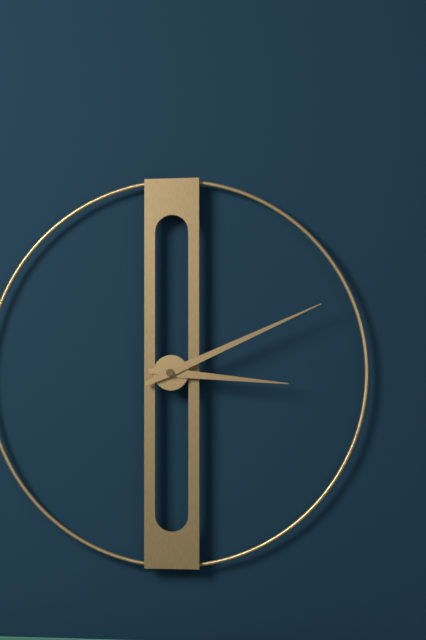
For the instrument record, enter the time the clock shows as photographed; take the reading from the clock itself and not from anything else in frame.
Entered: 3:11
